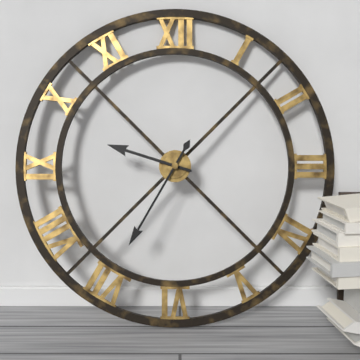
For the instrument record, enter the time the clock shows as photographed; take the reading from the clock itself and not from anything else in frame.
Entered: 9:35
